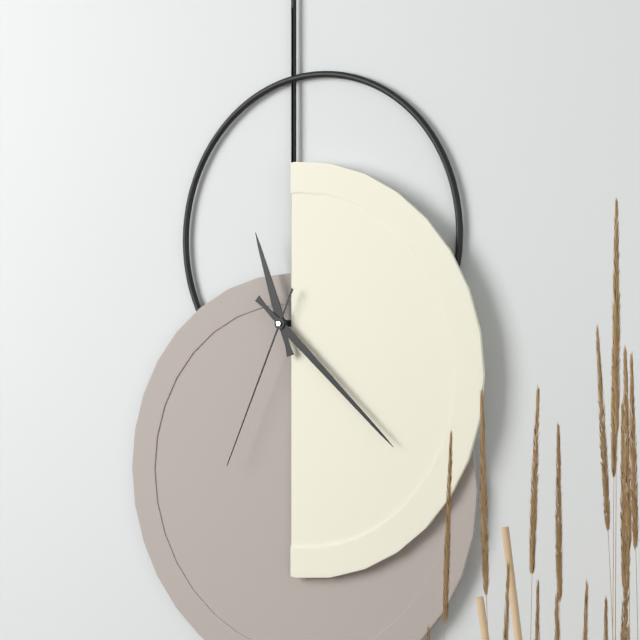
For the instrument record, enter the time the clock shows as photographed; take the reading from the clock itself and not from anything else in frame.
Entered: 11:22:34
